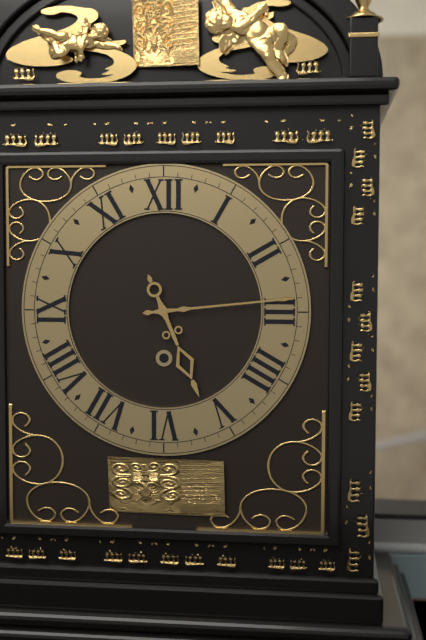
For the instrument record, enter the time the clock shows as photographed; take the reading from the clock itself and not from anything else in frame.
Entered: 5:14
